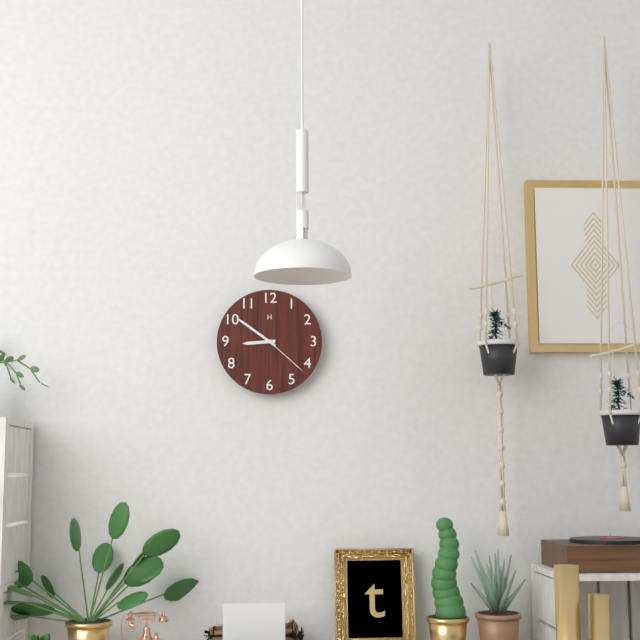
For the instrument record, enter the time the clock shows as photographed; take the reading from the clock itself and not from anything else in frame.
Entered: 8:51:22
